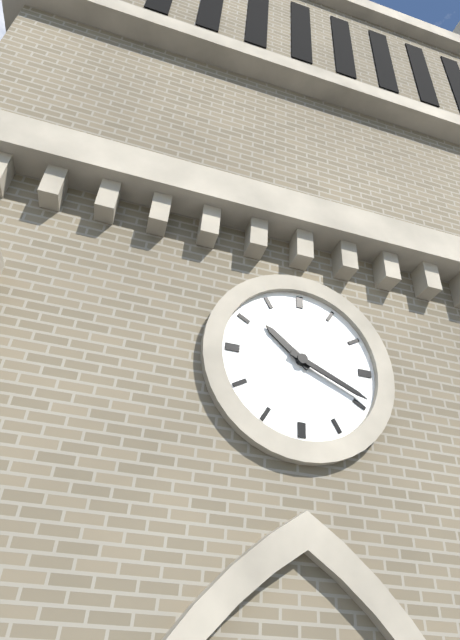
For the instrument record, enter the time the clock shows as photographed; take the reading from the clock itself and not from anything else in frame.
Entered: 10:19
